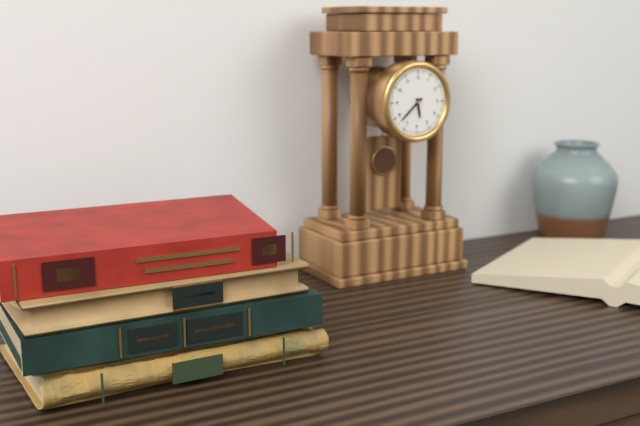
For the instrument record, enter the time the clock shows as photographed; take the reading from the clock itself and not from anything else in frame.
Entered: 5:38
